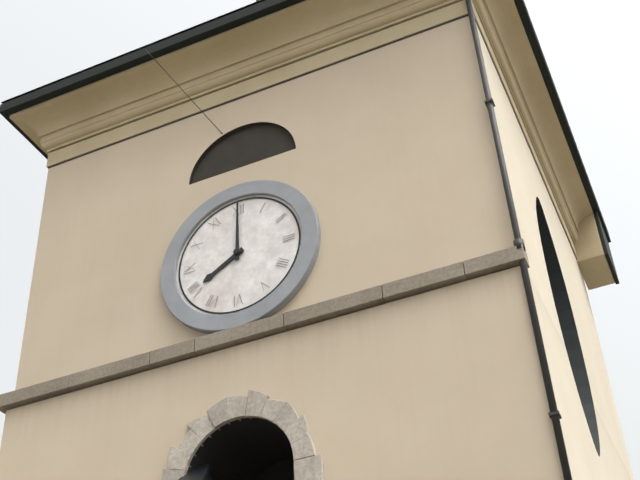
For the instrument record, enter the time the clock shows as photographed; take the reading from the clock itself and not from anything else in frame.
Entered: 8:00
